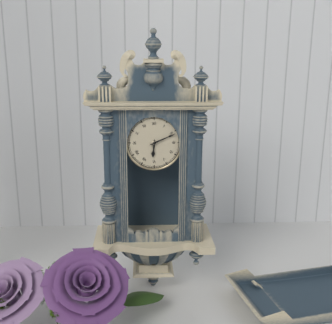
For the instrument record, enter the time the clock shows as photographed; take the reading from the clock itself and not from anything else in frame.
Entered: 6:11
